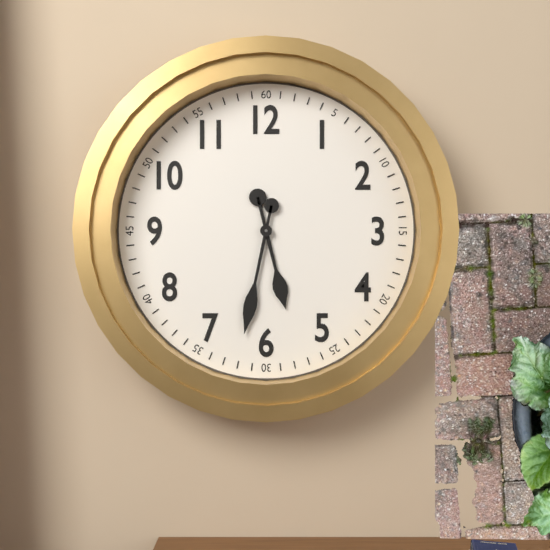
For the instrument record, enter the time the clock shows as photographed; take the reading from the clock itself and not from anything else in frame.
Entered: 5:32
